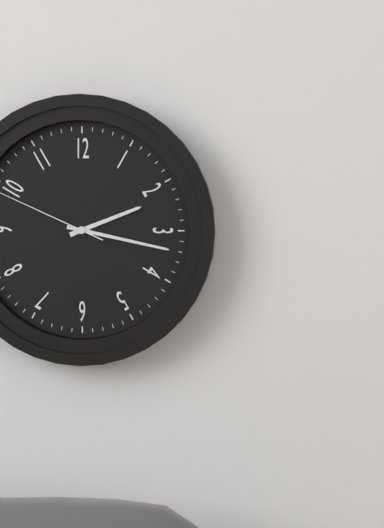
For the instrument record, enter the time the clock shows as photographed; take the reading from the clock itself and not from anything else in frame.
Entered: 2:17
